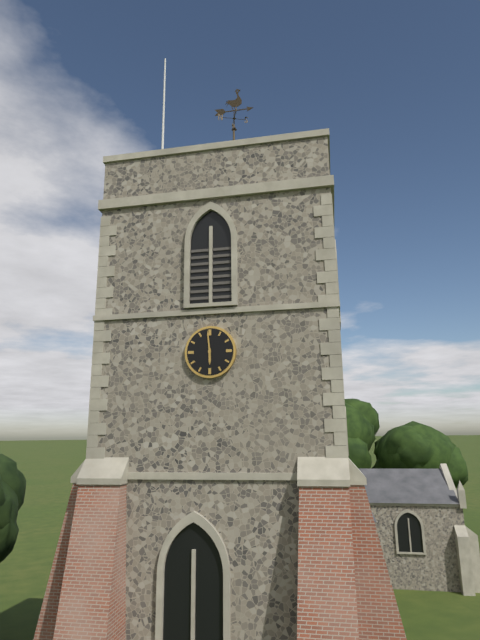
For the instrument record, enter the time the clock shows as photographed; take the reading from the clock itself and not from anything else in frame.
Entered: 5:59
